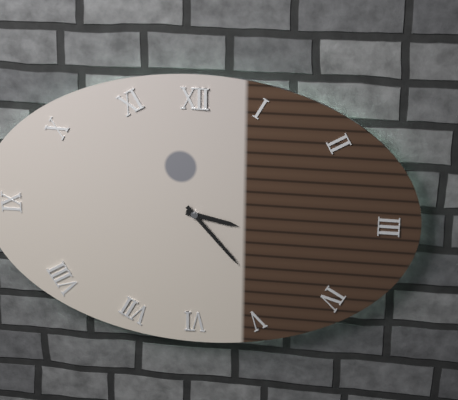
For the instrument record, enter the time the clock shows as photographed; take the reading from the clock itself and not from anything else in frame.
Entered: 3:23
